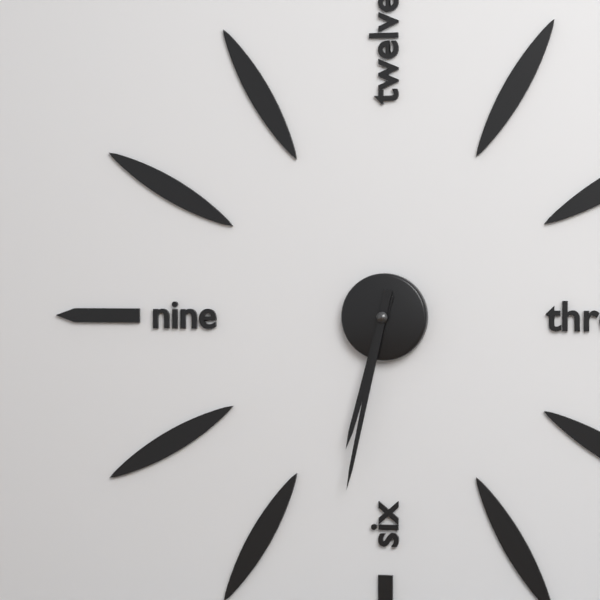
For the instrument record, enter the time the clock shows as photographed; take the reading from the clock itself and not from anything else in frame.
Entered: 6:32
